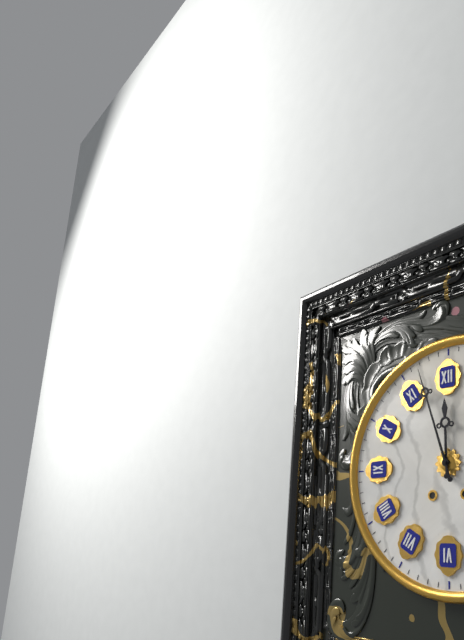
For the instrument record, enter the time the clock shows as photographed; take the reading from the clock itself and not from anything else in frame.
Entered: 11:57
